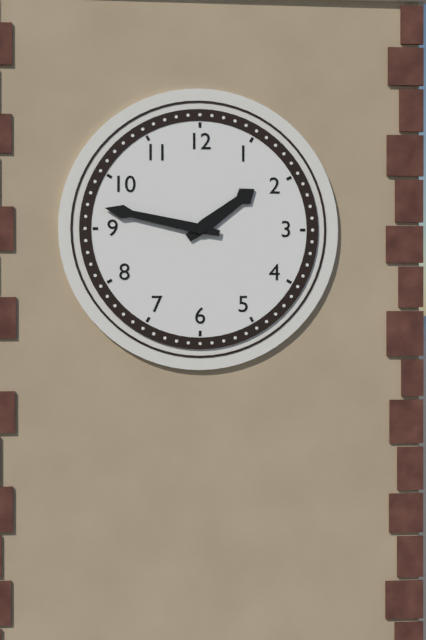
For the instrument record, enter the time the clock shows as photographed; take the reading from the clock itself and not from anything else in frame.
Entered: 1:47
